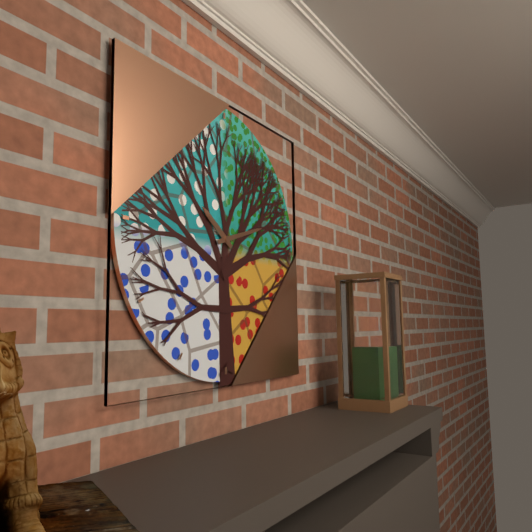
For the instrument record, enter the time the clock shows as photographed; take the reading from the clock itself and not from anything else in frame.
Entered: 10:12
